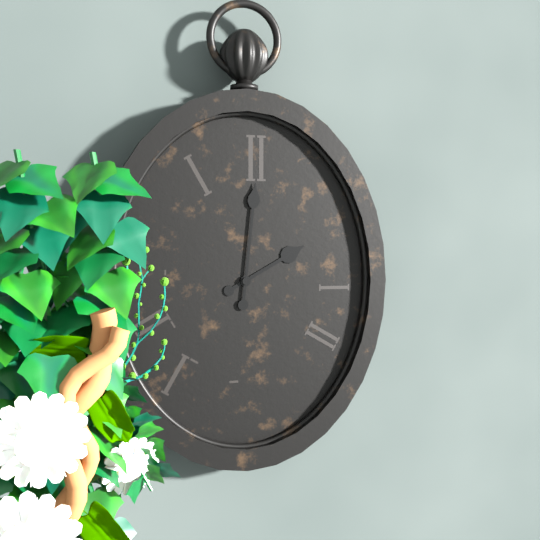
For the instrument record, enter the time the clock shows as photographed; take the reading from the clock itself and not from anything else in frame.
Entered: 2:01
